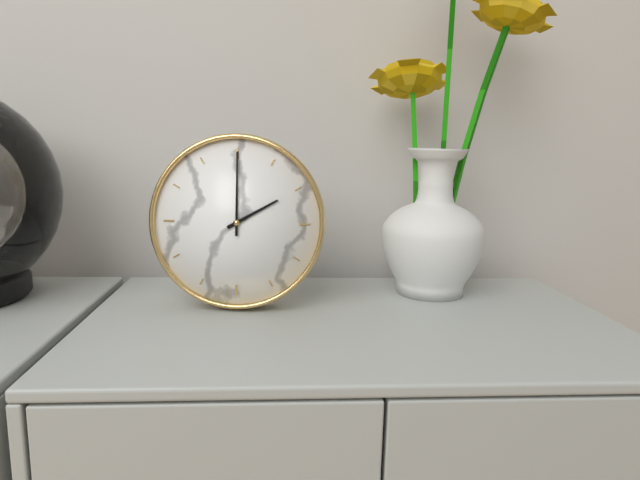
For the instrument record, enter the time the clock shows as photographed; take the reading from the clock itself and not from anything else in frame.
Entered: 2:00
